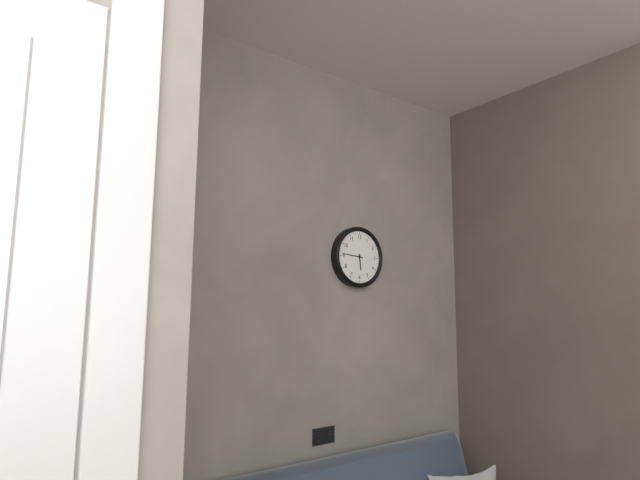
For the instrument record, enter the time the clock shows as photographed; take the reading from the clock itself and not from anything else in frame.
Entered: 5:46
